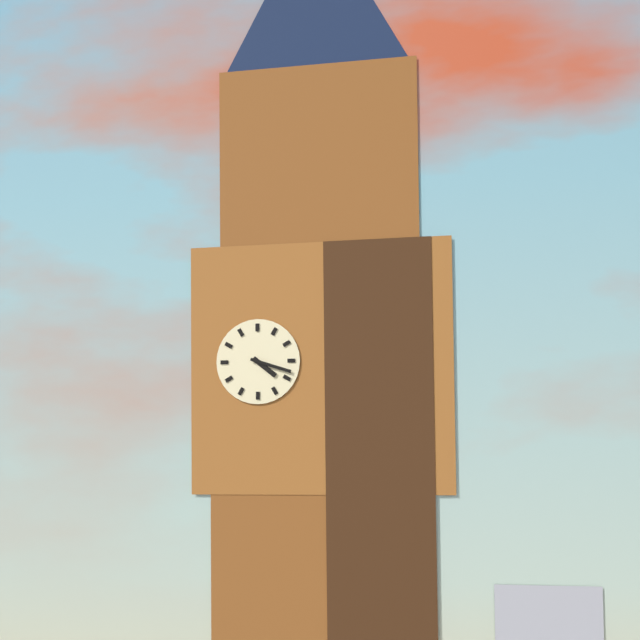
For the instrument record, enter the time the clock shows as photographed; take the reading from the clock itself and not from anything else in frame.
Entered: 4:18
